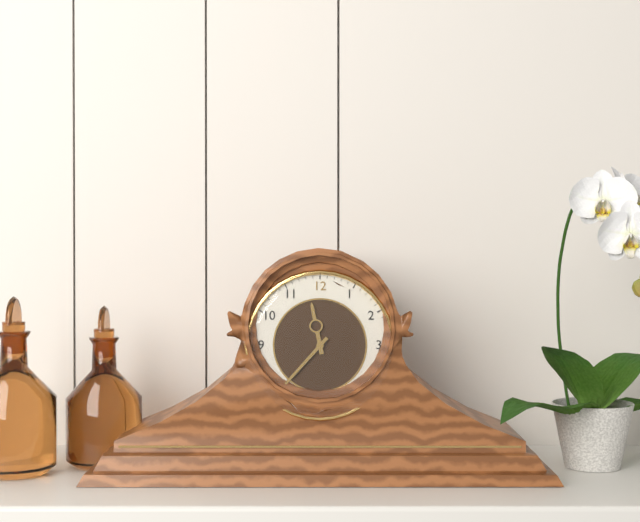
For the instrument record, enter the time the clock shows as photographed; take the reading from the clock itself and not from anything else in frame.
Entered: 11:37
